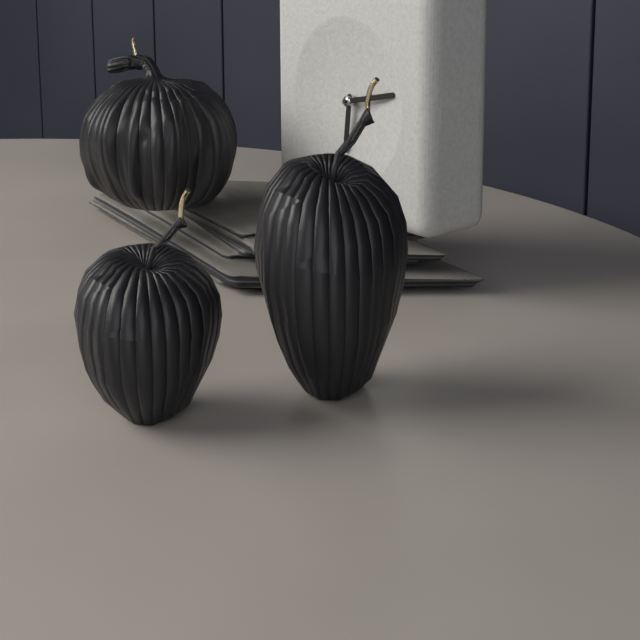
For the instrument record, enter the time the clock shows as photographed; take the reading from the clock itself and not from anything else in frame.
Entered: 6:13
